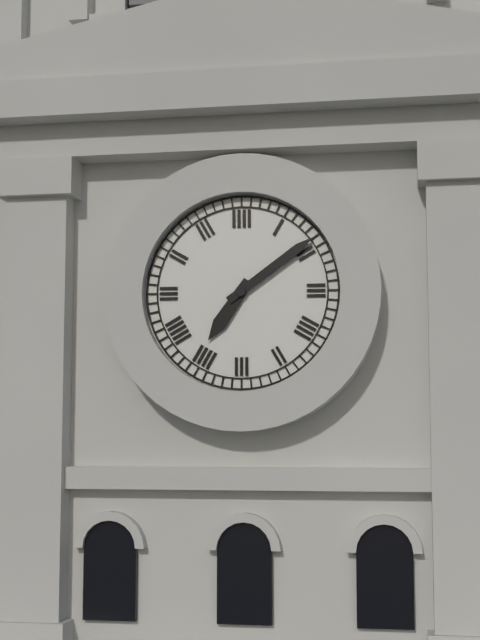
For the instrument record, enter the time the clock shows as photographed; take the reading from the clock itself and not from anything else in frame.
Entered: 7:09
